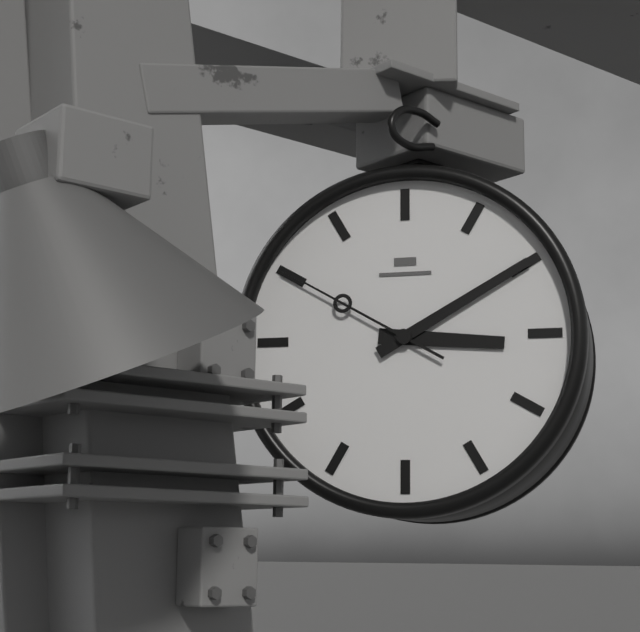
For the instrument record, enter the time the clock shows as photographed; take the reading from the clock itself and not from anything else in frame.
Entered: 3:10:50
